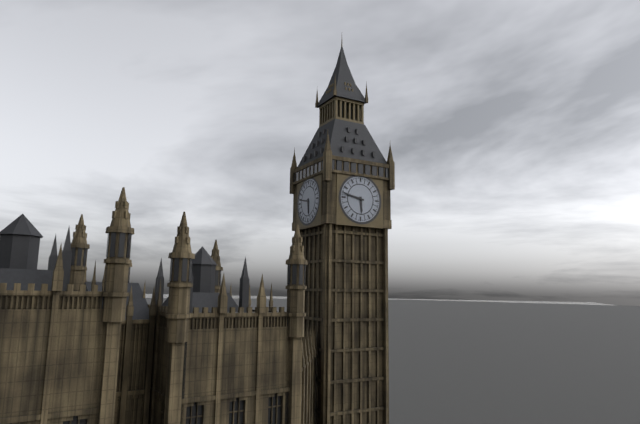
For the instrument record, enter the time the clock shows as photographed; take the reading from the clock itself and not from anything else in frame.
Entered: 5:47
